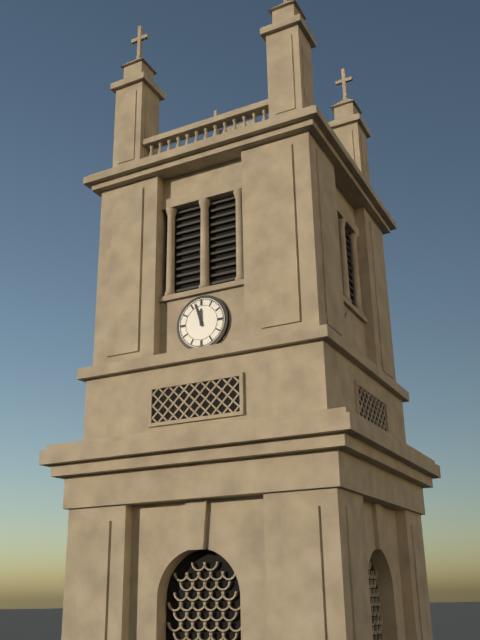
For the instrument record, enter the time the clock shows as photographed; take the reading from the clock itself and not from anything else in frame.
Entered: 11:57
